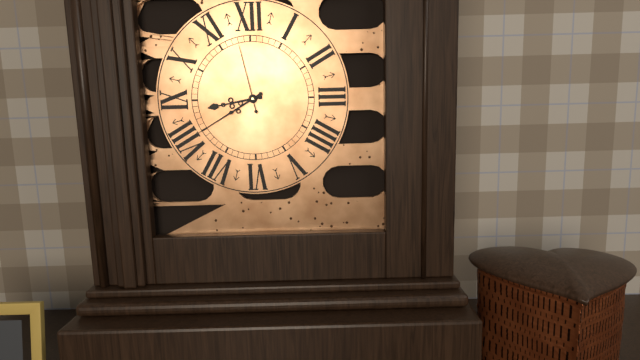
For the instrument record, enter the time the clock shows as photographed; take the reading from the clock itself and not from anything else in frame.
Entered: 8:40:58
